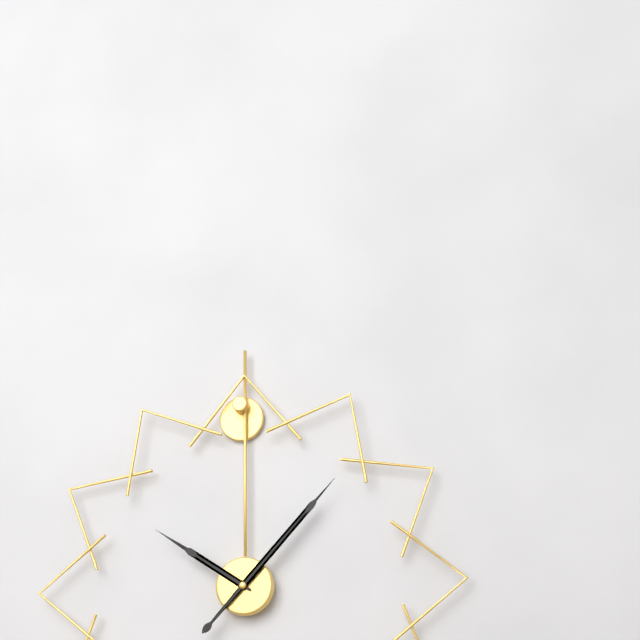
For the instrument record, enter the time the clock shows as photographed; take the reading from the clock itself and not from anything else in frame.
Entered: 10:07
